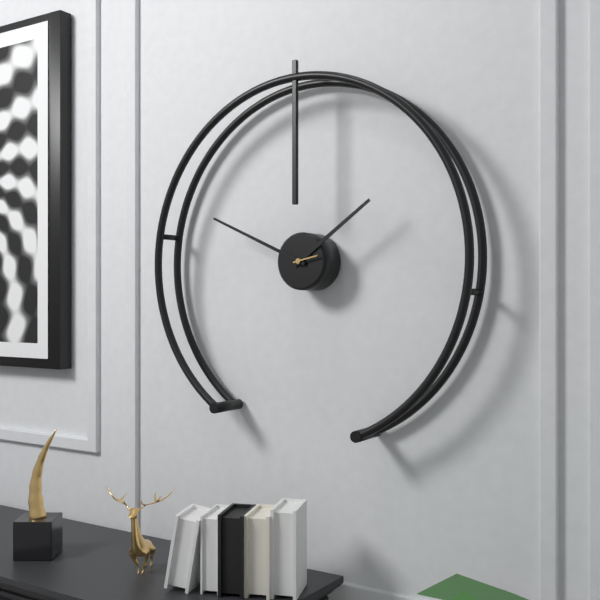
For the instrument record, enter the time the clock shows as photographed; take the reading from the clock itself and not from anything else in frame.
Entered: 1:49
